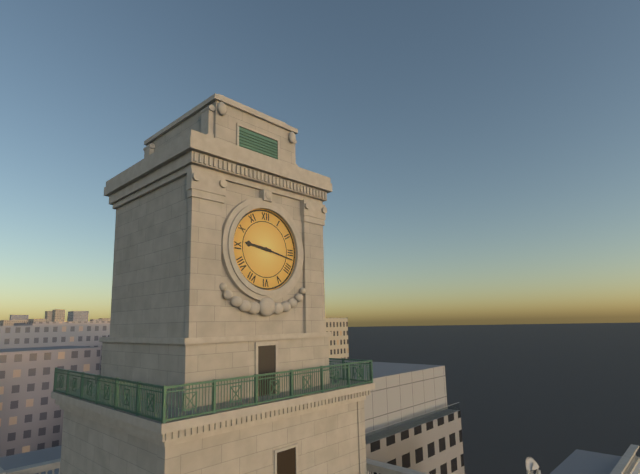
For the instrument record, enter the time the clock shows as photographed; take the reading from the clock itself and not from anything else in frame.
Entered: 9:17
